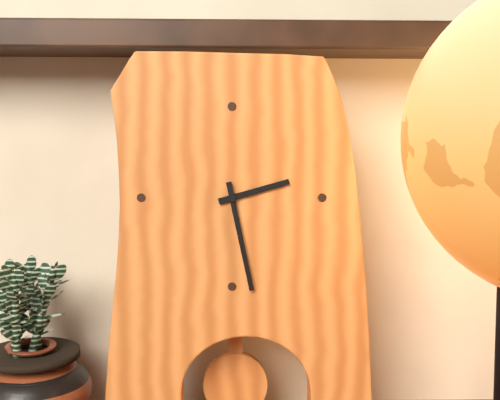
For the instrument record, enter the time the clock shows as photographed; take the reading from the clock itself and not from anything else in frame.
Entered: 2:28
